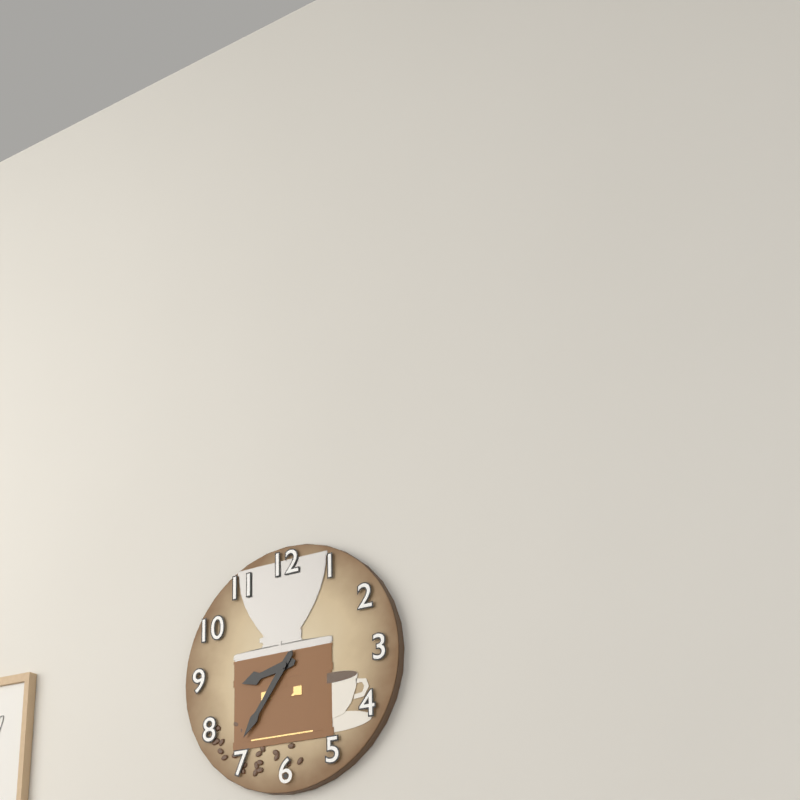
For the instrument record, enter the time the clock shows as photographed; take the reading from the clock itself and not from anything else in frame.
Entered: 8:36
